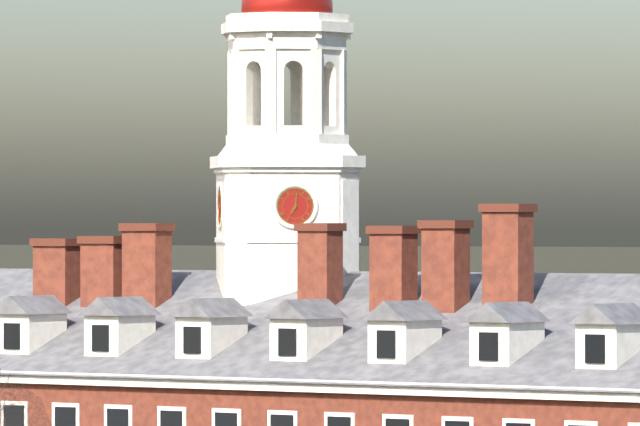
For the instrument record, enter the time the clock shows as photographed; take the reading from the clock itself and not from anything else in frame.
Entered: 7:01
